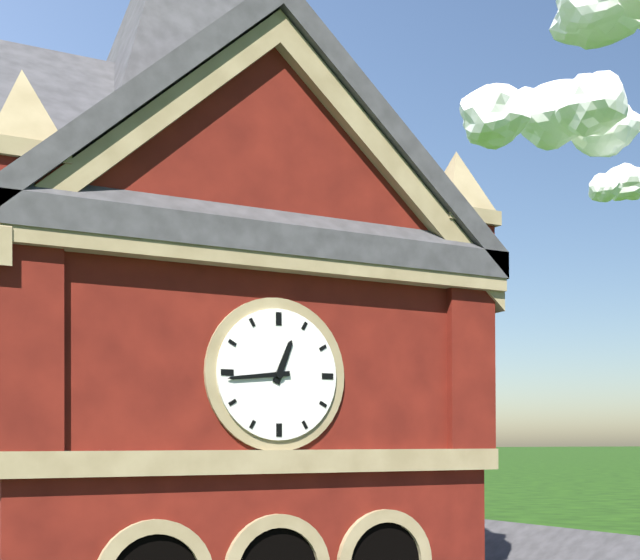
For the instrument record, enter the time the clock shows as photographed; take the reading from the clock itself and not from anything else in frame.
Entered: 12:44
